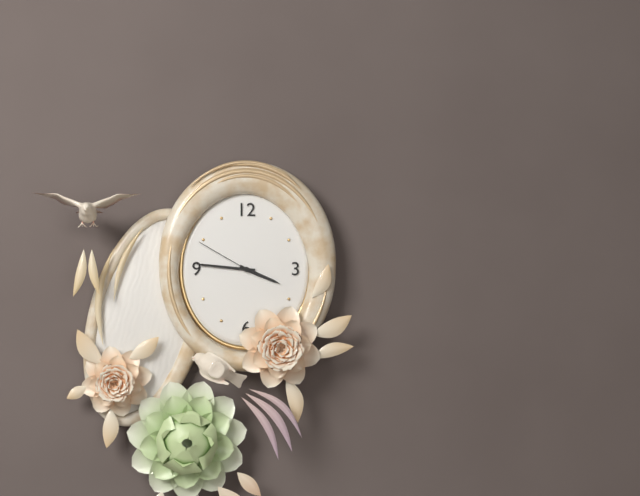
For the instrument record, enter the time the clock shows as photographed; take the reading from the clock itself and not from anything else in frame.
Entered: 3:46:50
